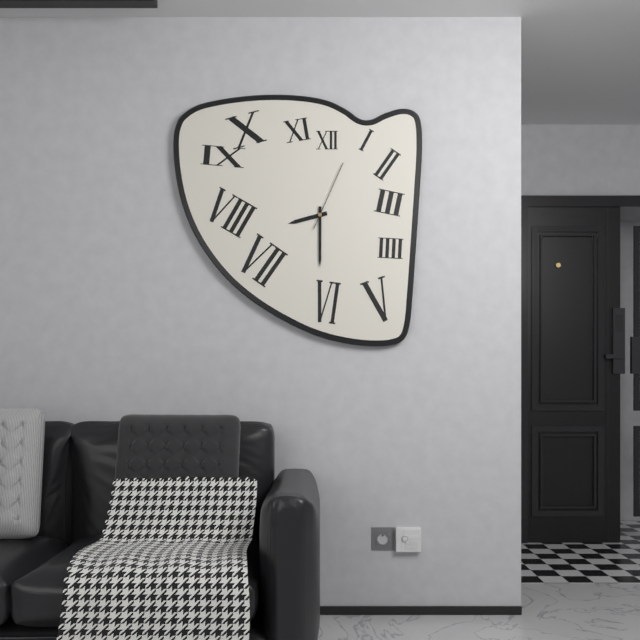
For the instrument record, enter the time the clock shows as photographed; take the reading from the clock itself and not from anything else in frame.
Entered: 8:30:04
